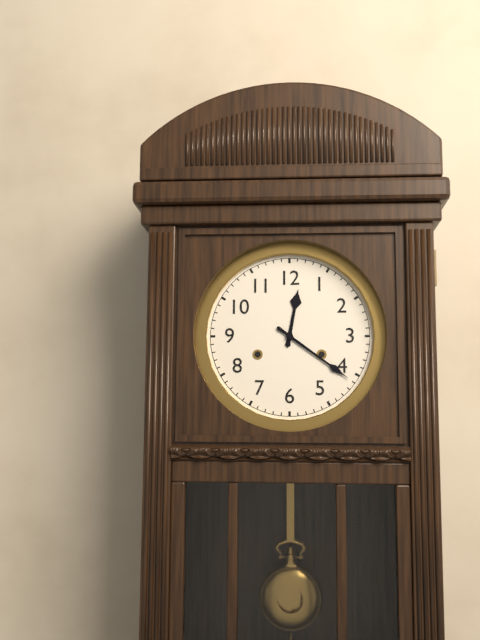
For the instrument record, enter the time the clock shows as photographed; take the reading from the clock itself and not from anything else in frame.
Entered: 12:21
